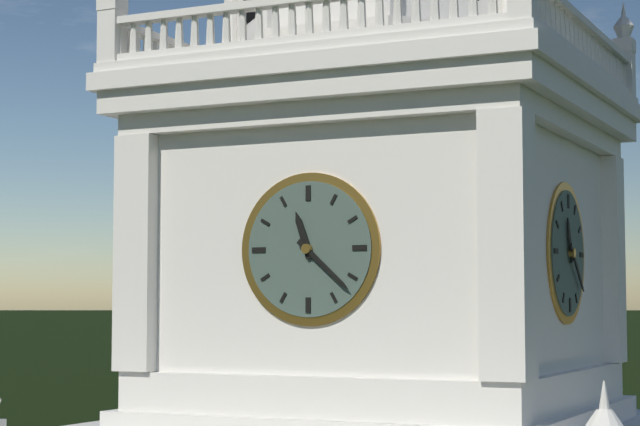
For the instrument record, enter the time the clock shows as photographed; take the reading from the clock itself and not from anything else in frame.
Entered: 11:22
